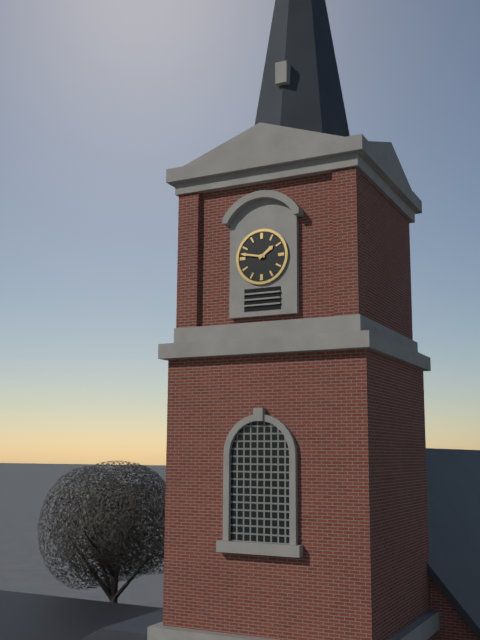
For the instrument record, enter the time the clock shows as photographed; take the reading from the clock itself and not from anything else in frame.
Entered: 1:47
